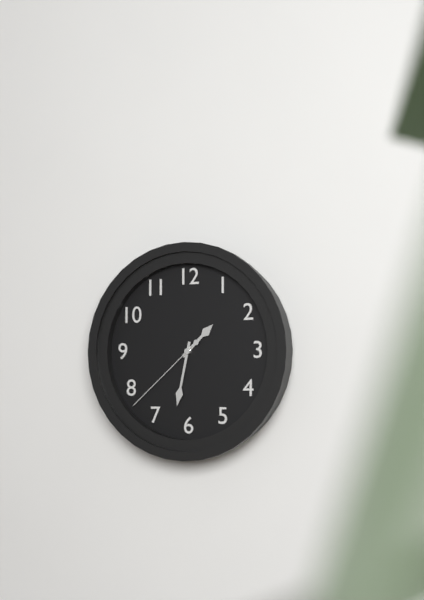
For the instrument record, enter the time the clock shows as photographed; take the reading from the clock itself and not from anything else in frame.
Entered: 1:32:38
